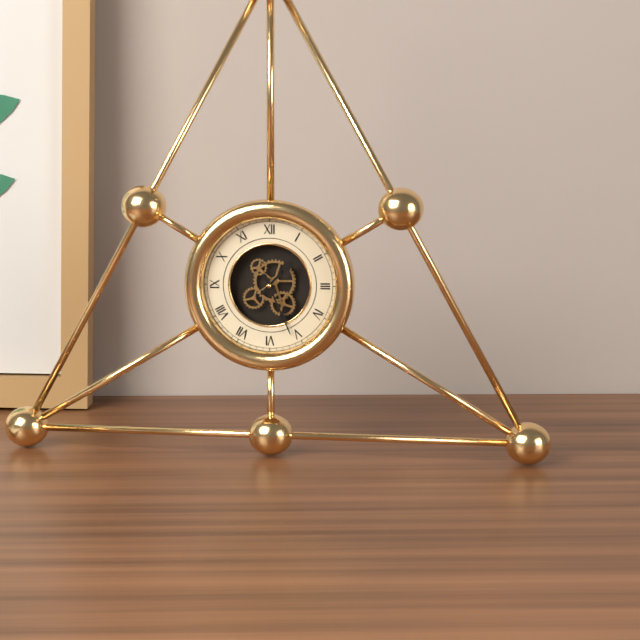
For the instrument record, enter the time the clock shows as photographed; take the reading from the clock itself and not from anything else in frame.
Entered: 1:26
